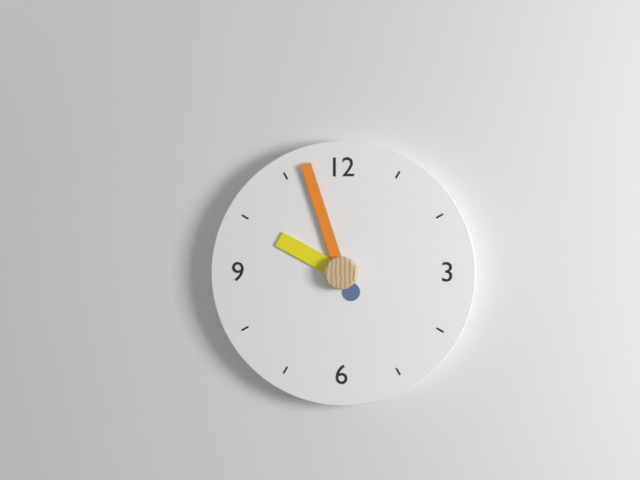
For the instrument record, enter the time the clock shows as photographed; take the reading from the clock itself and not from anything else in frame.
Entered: 9:57
